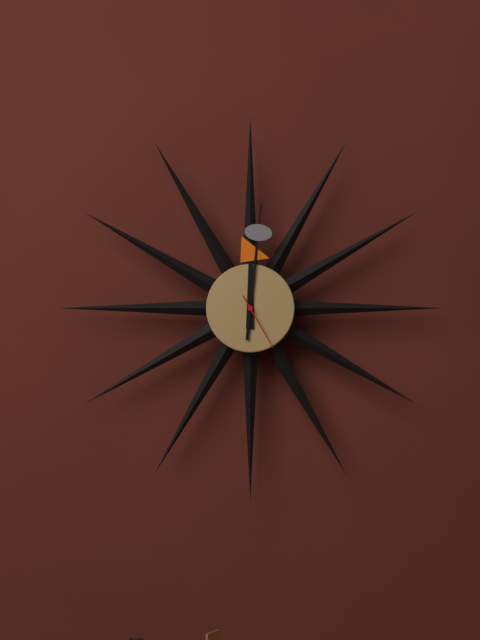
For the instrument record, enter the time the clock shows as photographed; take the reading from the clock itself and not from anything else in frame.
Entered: 12:01:25
